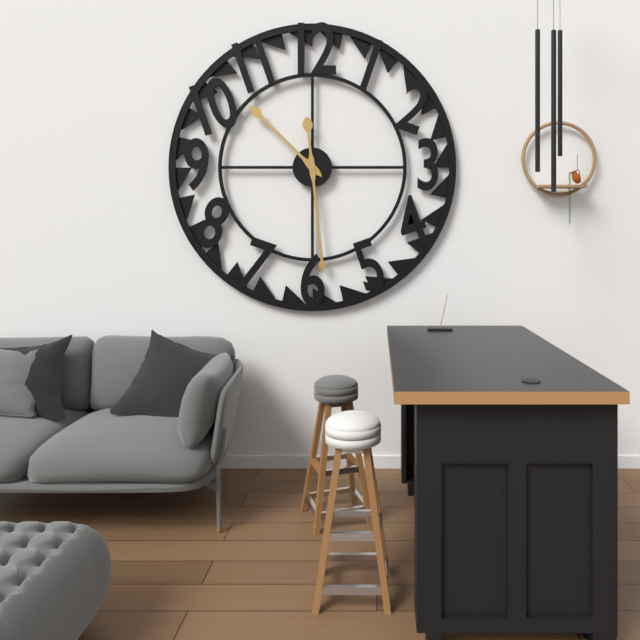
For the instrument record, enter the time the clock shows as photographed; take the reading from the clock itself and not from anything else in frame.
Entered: 10:29
